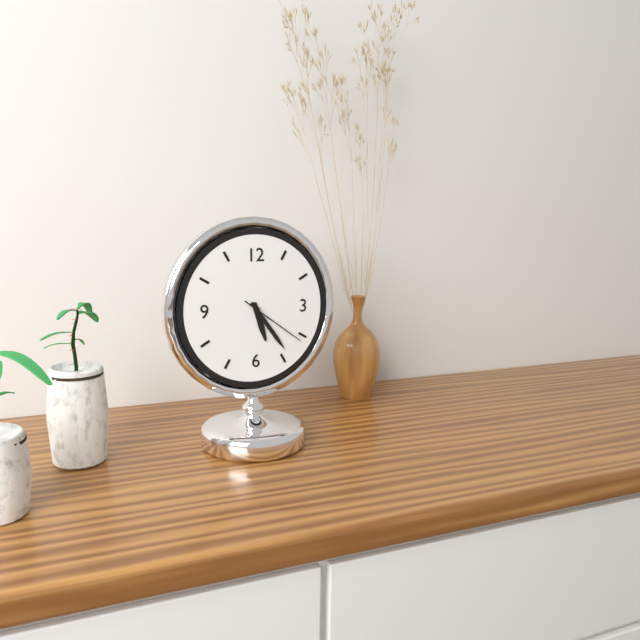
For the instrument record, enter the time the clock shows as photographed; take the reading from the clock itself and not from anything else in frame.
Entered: 5:24:21
